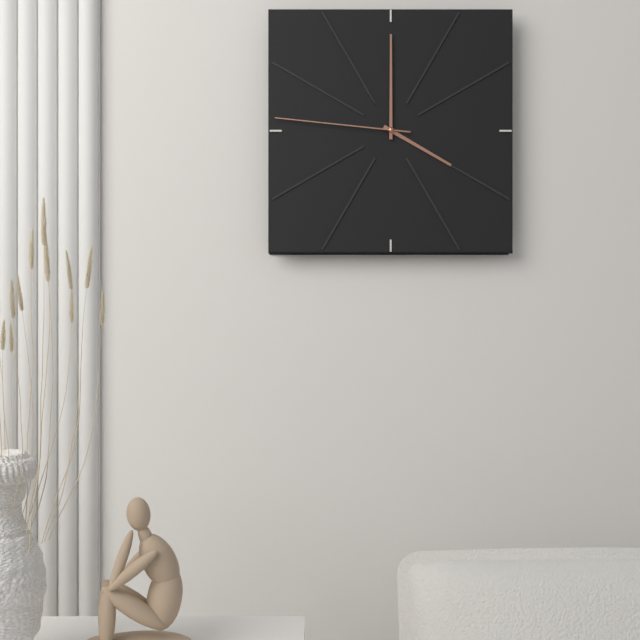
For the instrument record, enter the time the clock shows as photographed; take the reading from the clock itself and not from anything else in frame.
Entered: 4:00:46
